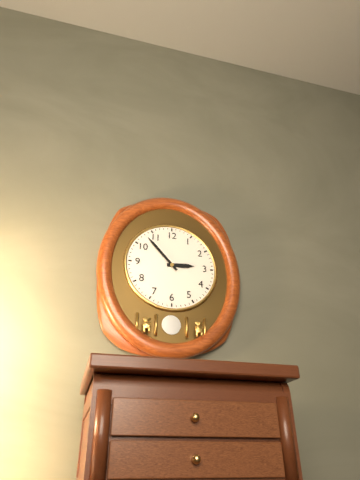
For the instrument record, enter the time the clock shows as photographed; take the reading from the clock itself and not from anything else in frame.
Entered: 2:53
